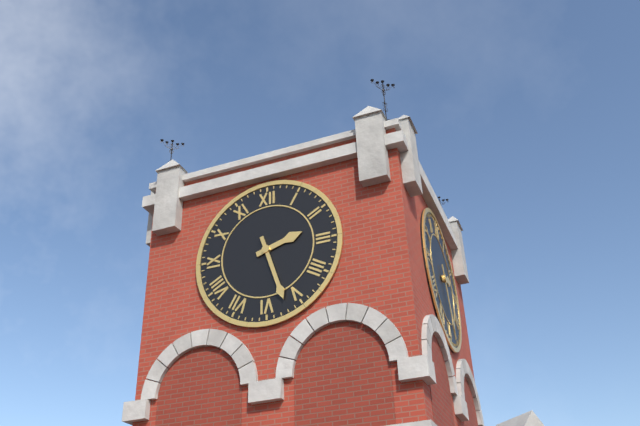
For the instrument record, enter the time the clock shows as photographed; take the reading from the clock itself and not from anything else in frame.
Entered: 2:27
